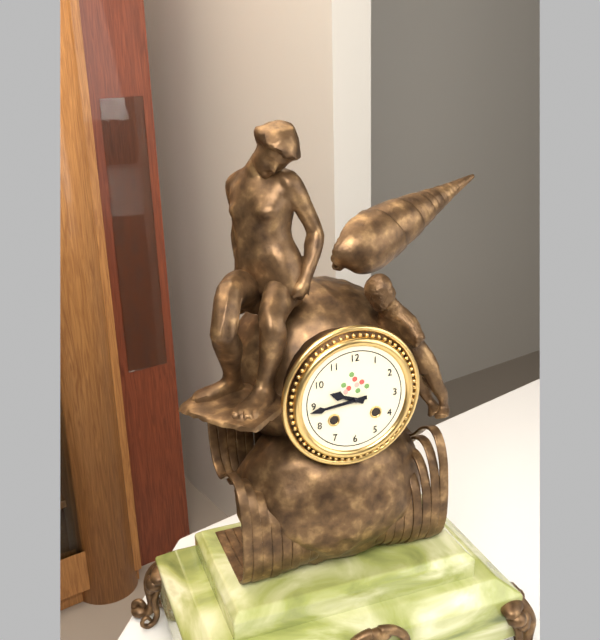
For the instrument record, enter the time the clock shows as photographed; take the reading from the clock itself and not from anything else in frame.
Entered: 9:44
